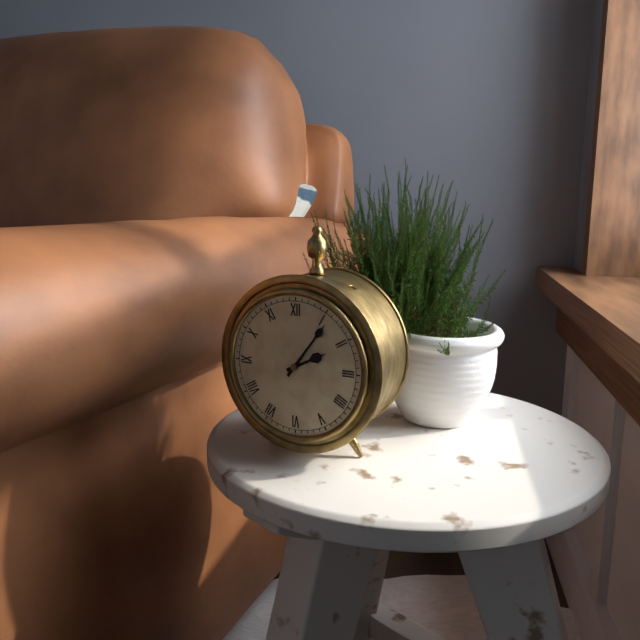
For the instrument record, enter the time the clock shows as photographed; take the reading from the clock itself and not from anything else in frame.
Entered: 2:06
